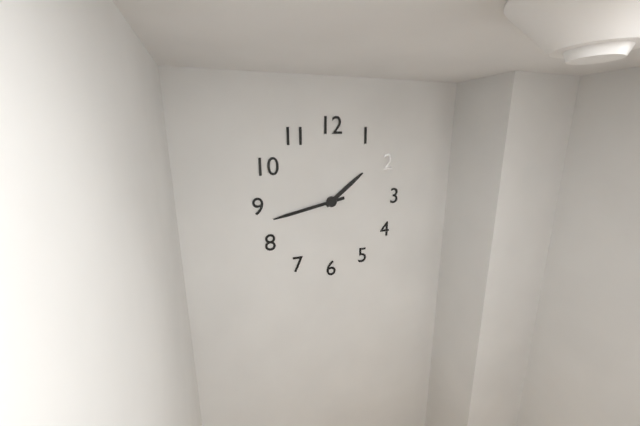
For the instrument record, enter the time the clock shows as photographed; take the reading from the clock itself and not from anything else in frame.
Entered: 1:43
